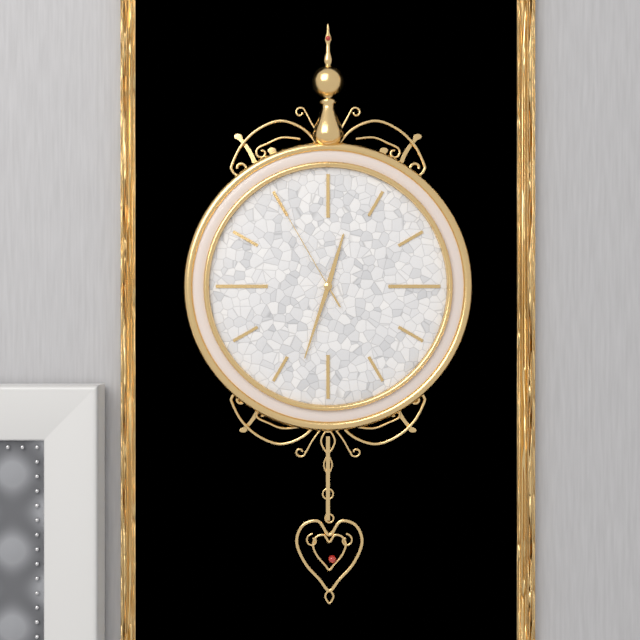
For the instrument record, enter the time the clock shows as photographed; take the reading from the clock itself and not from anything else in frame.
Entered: 12:33:55
